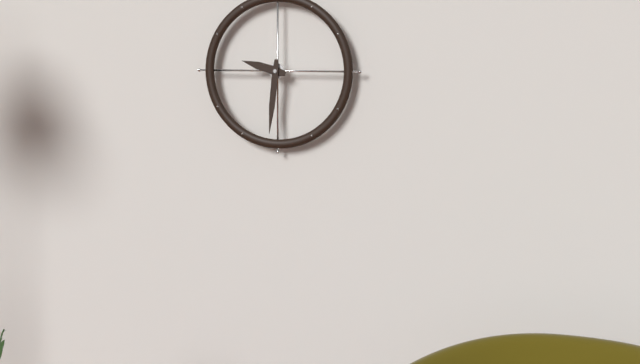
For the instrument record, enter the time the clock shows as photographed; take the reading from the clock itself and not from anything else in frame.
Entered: 9:31
